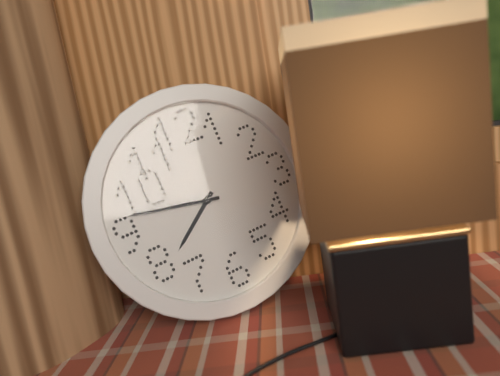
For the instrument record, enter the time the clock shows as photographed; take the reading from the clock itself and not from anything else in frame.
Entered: 7:47
